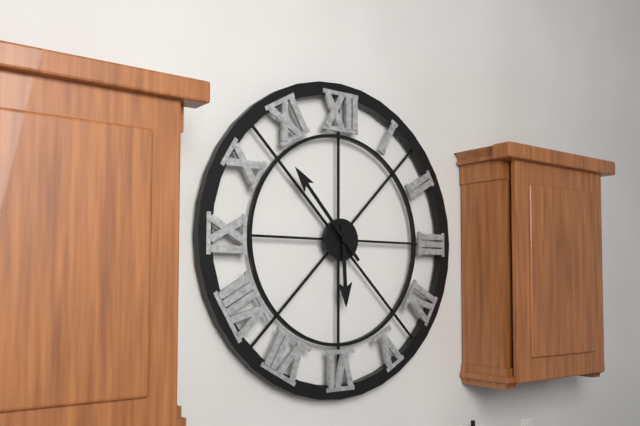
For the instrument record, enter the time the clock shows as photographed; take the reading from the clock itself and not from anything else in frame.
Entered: 5:53
